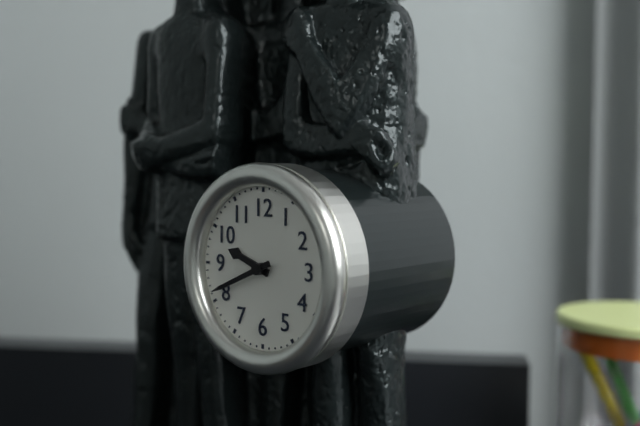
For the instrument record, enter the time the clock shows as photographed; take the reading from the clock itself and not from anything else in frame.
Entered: 9:41
